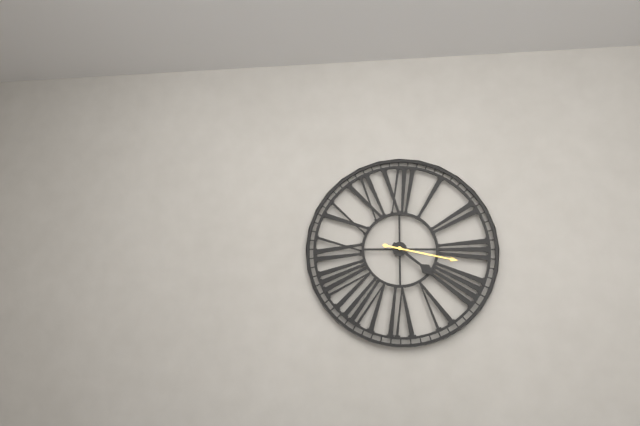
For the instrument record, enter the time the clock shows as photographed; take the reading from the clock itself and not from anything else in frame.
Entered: 4:17
